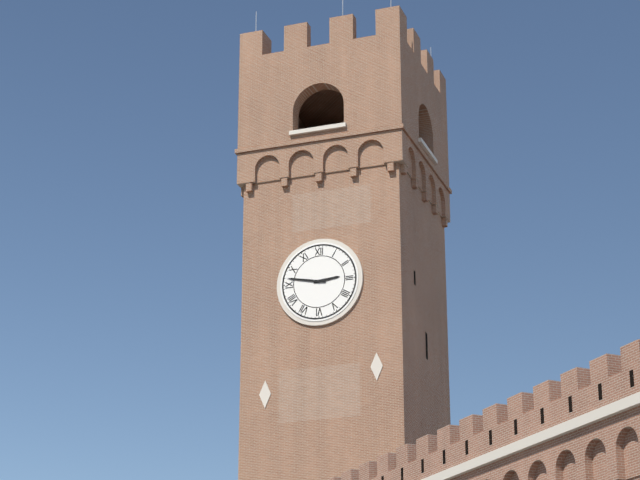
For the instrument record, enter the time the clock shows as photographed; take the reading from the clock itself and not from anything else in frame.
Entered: 2:47
